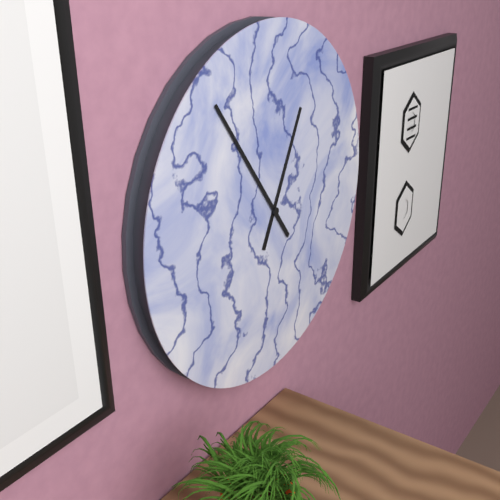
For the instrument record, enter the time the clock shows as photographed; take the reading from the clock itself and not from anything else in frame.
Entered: 12:54
